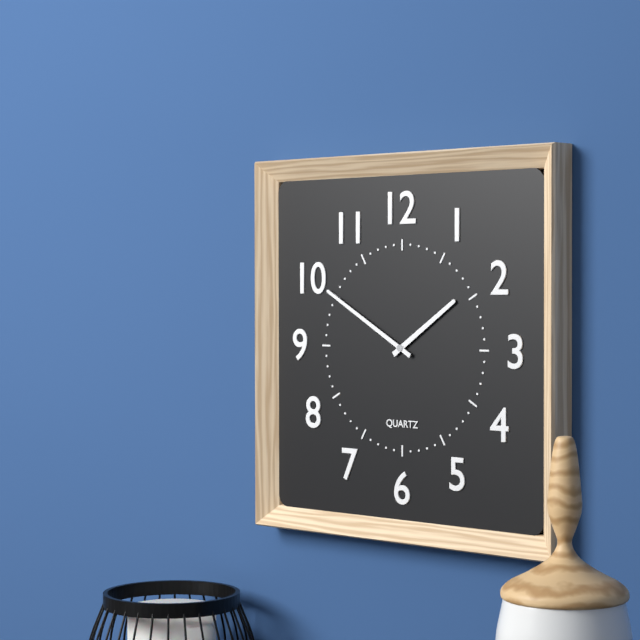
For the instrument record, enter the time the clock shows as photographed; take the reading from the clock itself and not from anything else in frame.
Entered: 1:50
